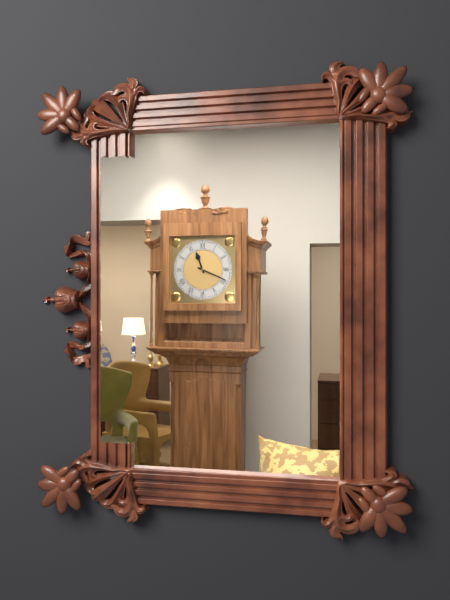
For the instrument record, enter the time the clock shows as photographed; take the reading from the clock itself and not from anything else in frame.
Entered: 11:19
